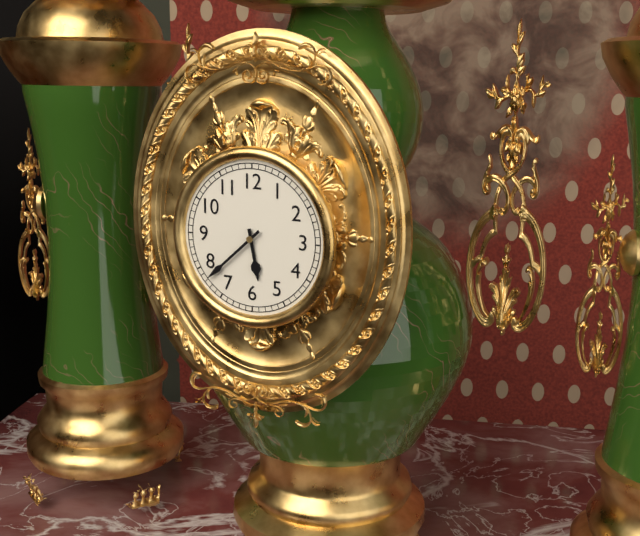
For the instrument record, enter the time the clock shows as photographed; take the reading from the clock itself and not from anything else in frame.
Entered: 5:38
